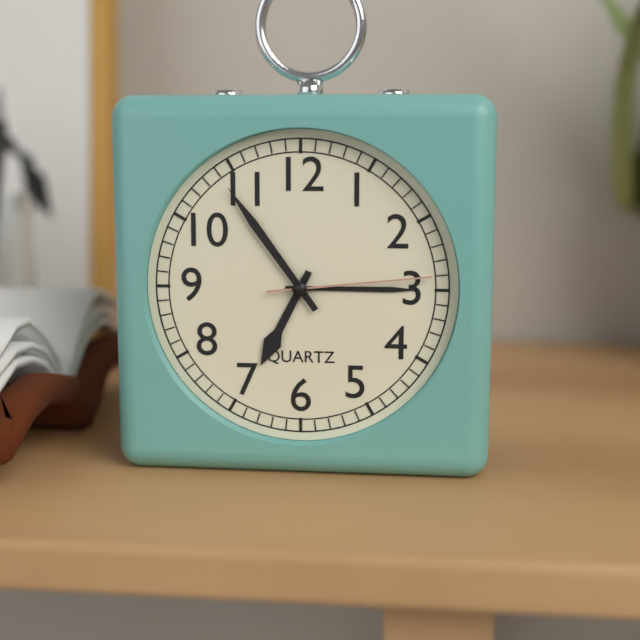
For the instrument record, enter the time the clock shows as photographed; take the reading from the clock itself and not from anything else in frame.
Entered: 6:54:14
